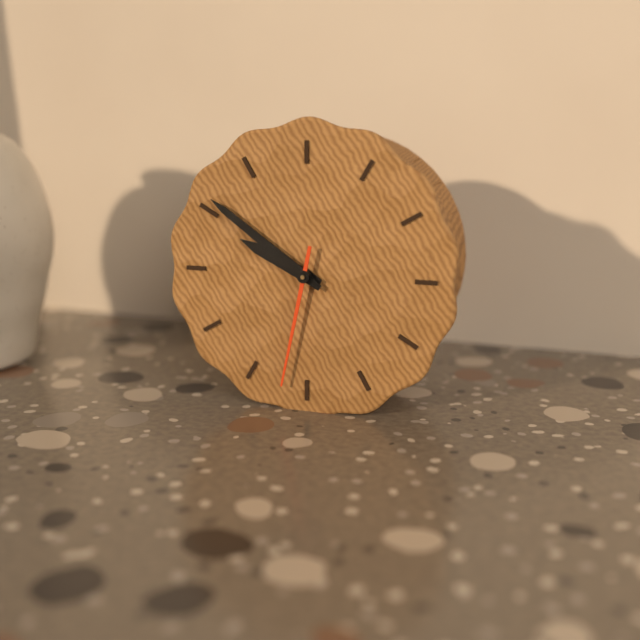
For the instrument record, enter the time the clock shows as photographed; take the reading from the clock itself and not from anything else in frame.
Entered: 9:51:32
